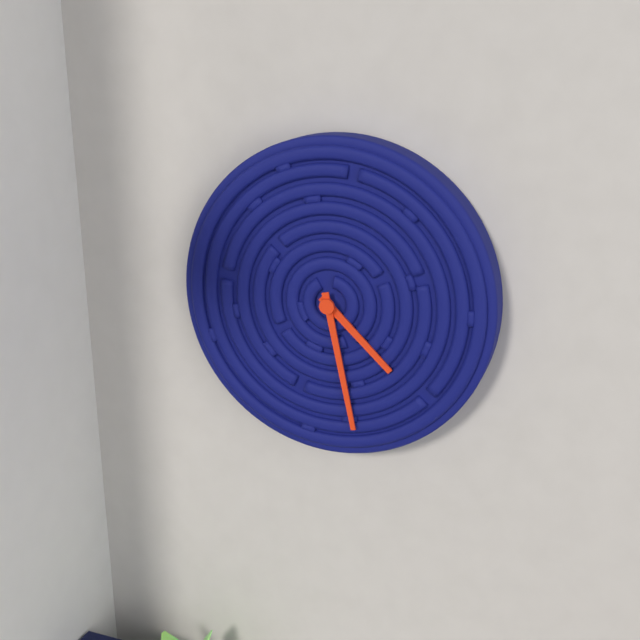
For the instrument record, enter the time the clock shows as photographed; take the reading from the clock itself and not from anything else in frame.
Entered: 4:28
